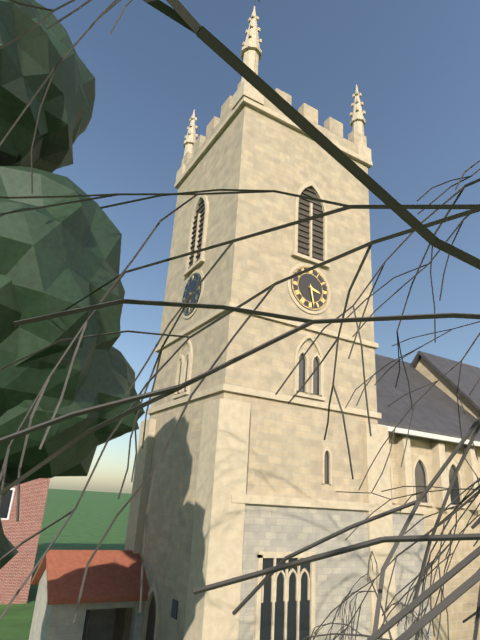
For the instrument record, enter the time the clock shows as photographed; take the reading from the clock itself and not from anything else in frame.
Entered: 3:28
